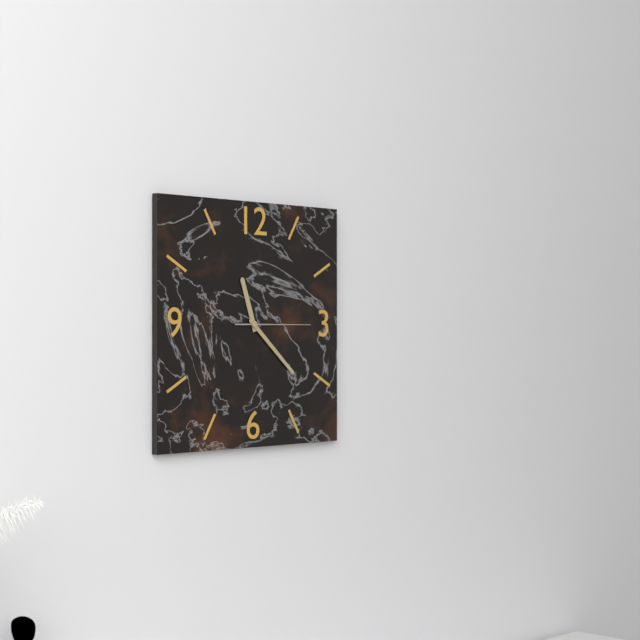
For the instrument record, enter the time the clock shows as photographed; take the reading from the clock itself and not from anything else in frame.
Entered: 11:22:15
